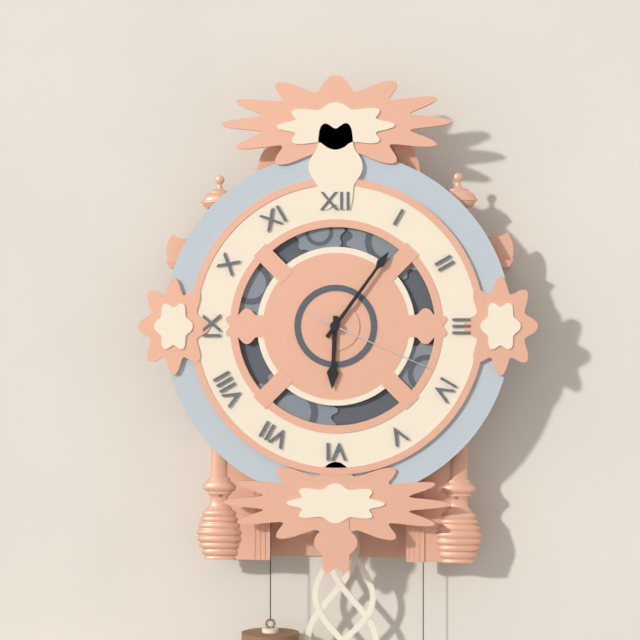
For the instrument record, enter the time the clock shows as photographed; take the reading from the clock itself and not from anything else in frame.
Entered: 6:06:19
